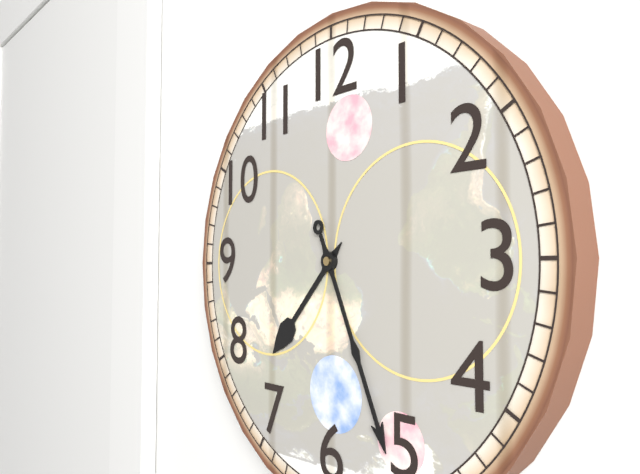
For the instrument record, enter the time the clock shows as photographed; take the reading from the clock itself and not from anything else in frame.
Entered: 7:26
